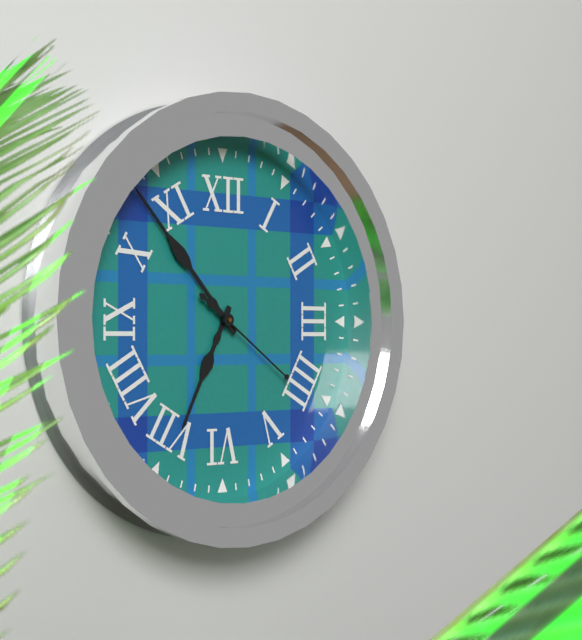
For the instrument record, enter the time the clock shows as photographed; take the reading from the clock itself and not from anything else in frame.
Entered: 6:53:21
